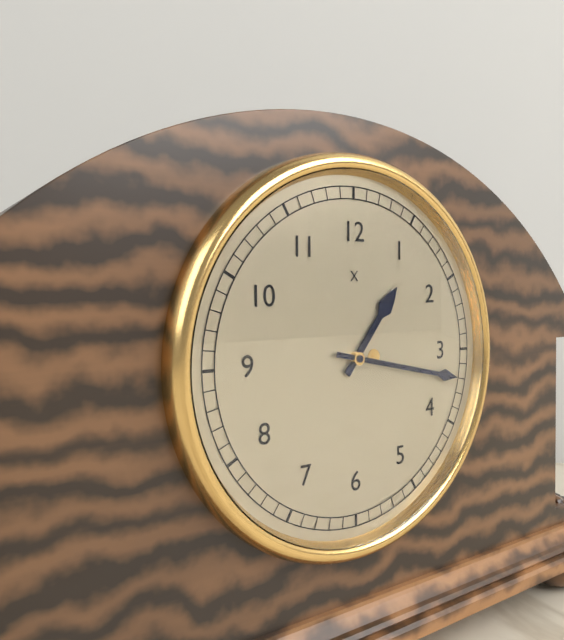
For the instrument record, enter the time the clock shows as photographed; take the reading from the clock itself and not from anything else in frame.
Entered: 1:17
